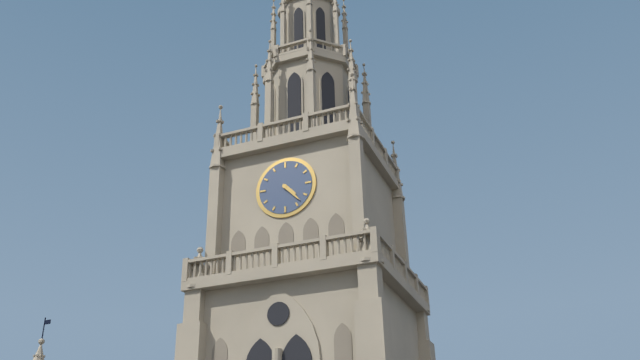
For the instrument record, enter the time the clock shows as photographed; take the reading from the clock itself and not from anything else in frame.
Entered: 4:23
